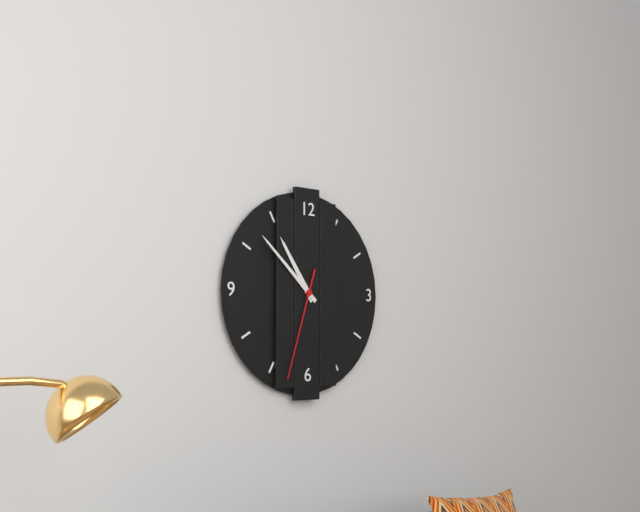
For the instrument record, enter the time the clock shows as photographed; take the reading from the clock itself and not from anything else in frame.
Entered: 10:52:33
